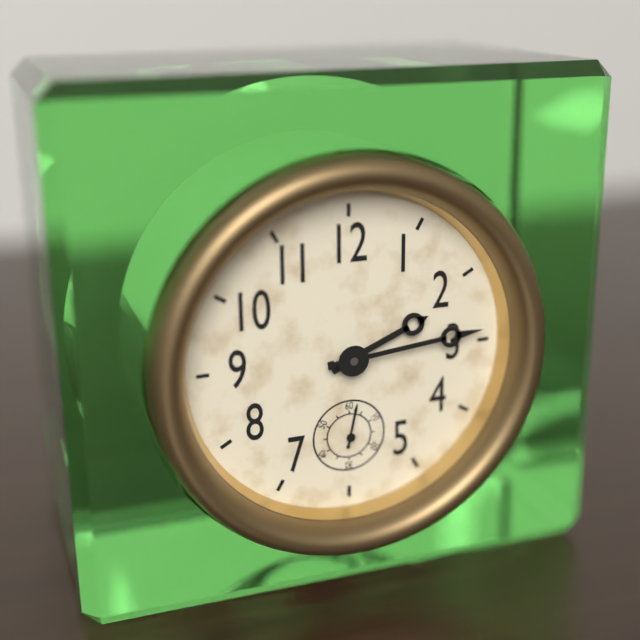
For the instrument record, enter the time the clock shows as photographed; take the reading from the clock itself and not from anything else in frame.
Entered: 2:14
